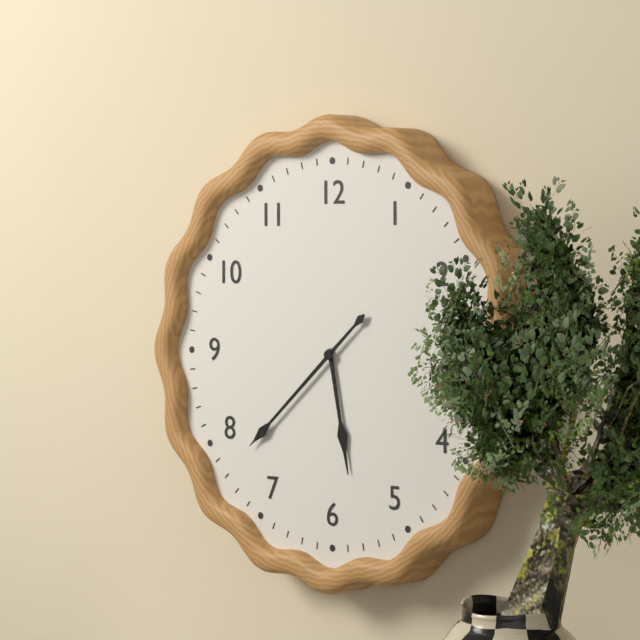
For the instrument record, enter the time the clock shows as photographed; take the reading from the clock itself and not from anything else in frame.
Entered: 5:38
